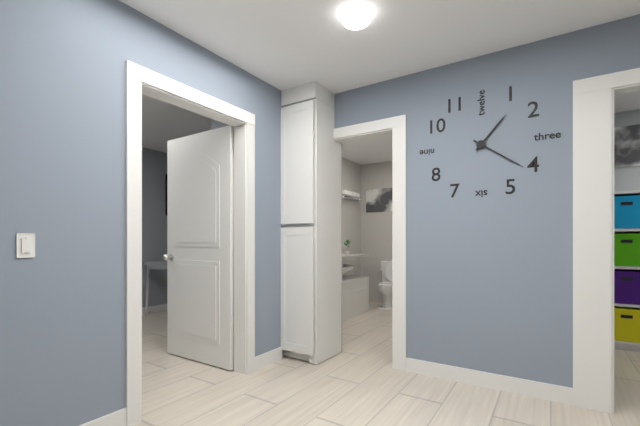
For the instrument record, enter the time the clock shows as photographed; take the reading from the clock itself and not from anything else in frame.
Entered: 1:21
